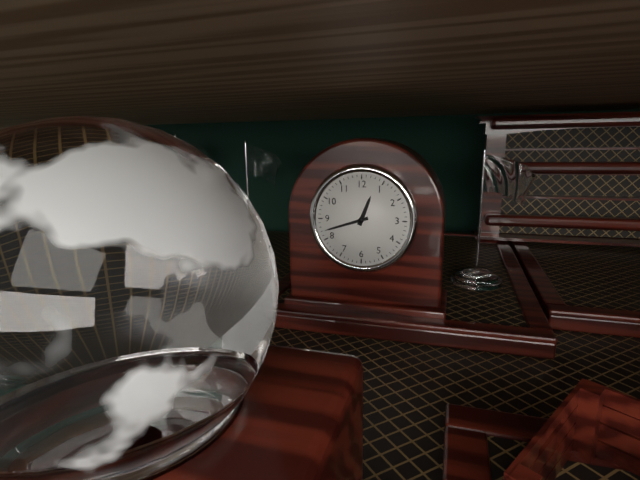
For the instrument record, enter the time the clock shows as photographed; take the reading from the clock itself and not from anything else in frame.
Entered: 12:42
